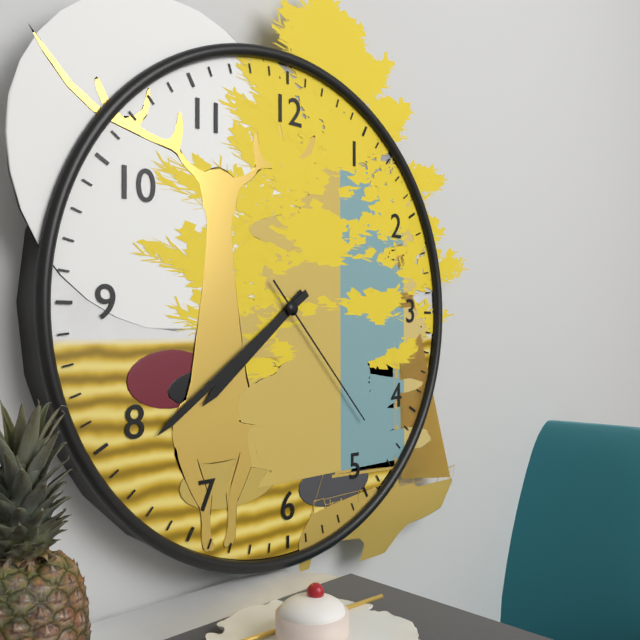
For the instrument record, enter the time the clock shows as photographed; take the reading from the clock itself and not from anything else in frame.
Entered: 7:39:23
